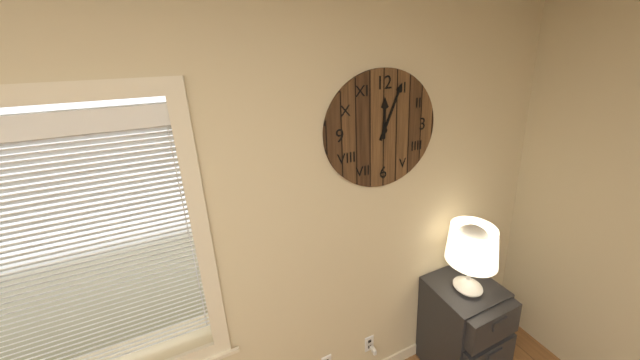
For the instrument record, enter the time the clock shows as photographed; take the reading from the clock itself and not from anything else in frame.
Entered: 12:04
